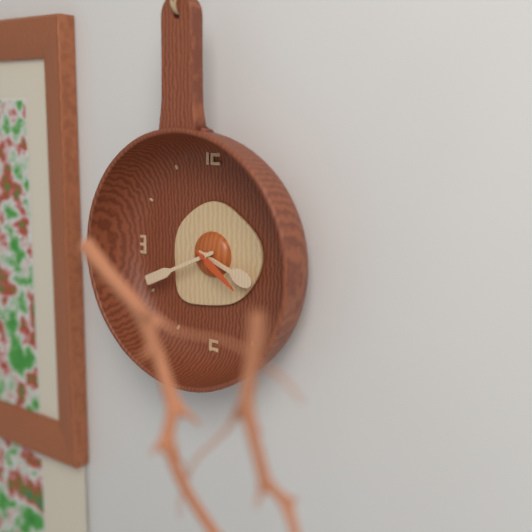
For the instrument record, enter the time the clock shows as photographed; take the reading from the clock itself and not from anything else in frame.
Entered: 3:41:21
